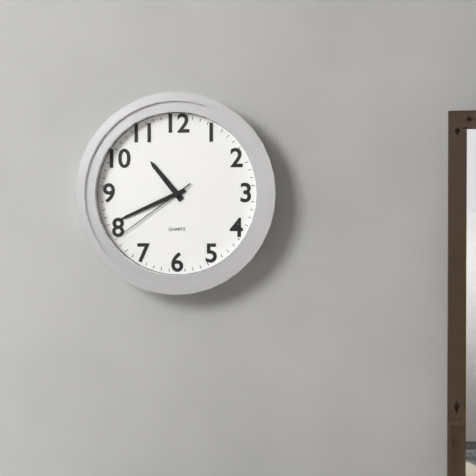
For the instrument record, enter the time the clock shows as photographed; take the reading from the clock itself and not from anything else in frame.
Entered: 10:41:39
